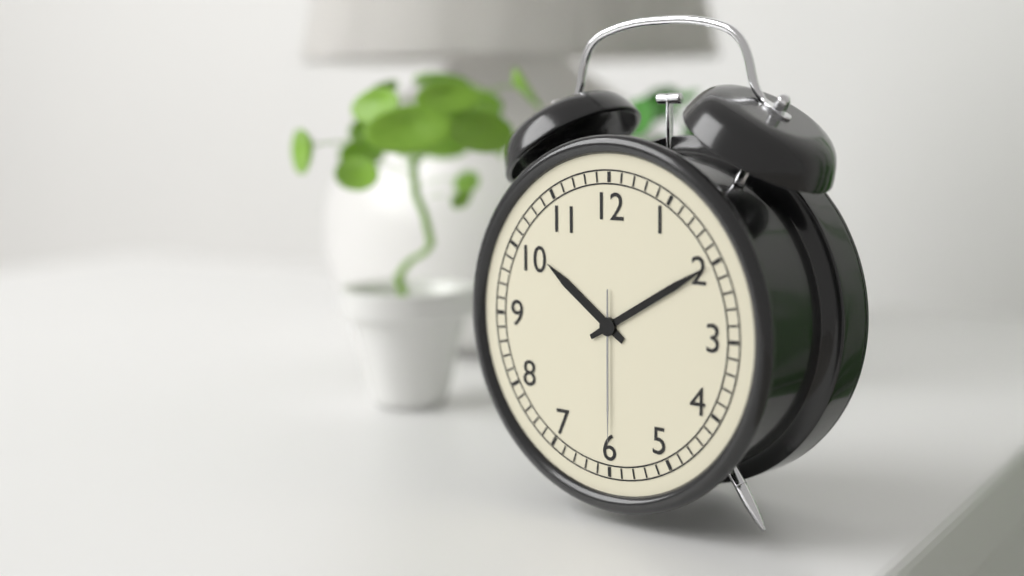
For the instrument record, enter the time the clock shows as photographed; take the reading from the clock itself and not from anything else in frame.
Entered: 10:10:30
